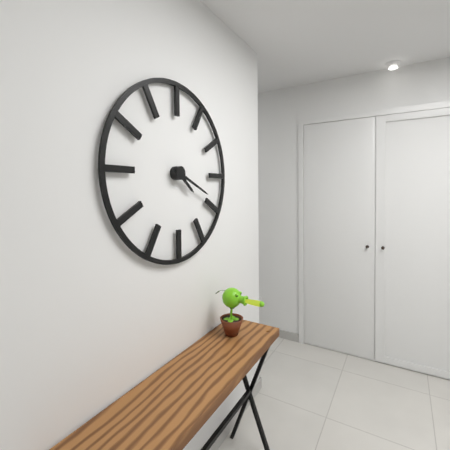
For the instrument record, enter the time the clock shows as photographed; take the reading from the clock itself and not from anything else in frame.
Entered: 4:19
